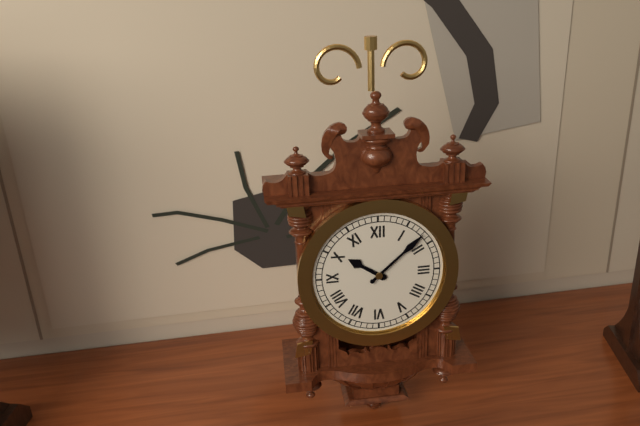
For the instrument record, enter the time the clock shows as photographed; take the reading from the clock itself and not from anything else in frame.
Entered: 10:08
